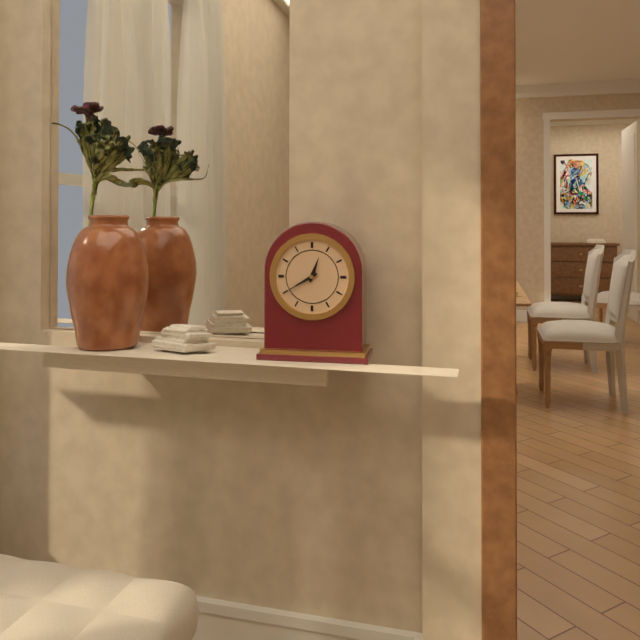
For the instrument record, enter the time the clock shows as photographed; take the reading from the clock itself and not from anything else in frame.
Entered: 12:40
